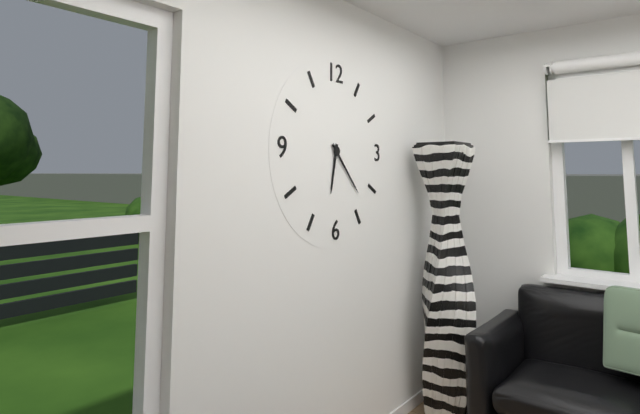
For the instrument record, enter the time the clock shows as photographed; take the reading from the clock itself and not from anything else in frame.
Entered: 6:23
